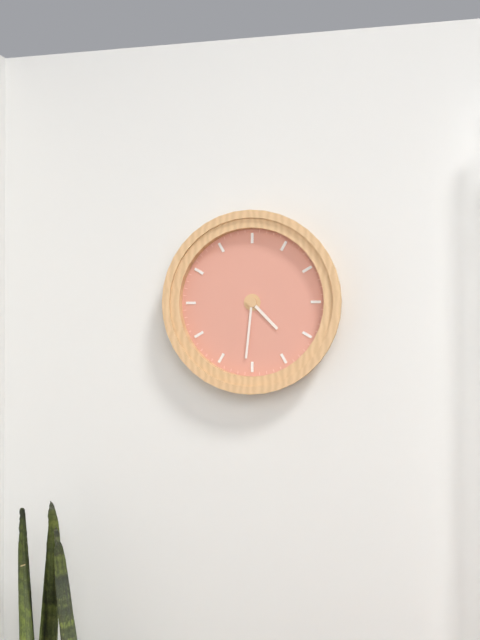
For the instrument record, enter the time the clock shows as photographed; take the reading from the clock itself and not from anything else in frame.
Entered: 4:31
